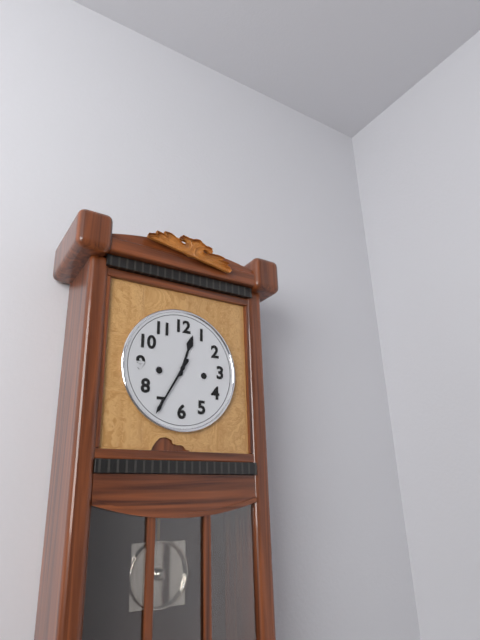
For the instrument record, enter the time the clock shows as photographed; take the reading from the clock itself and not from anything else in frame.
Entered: 12:35
